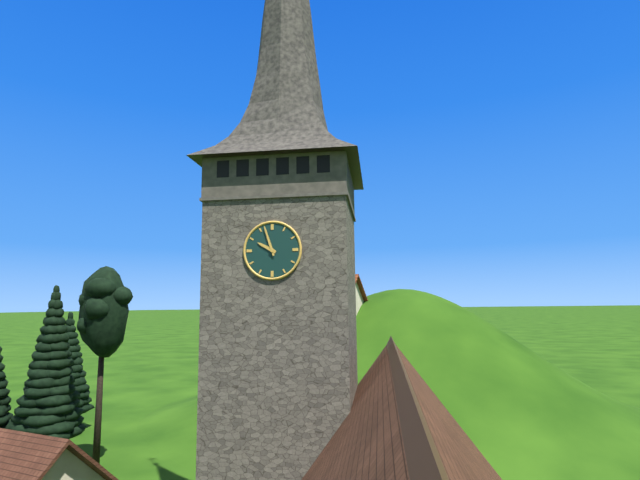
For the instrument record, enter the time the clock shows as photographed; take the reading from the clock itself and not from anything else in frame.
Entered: 9:57
